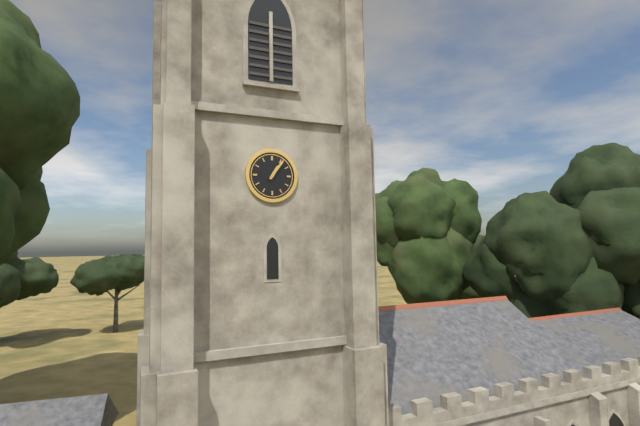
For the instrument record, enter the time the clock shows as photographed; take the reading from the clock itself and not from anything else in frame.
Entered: 1:06
